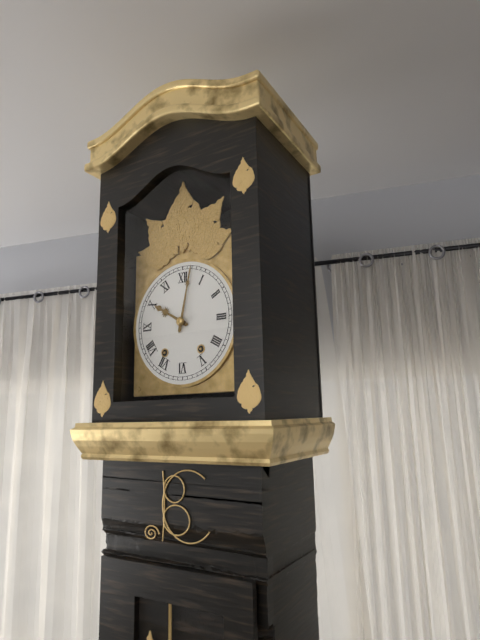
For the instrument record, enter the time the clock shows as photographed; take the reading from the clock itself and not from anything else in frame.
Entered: 10:02
